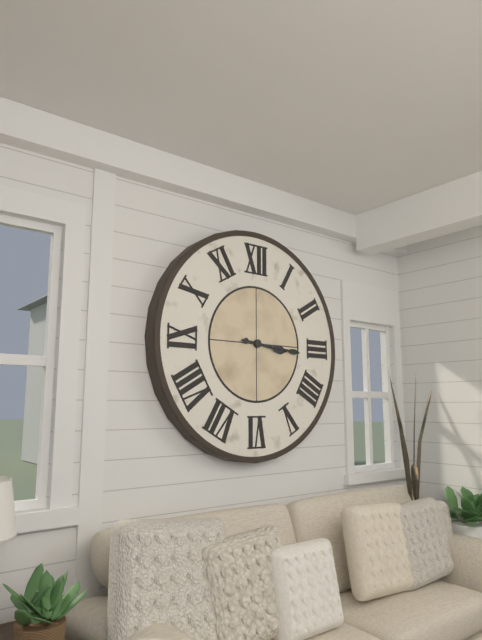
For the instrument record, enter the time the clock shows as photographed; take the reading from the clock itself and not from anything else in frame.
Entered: 3:16
